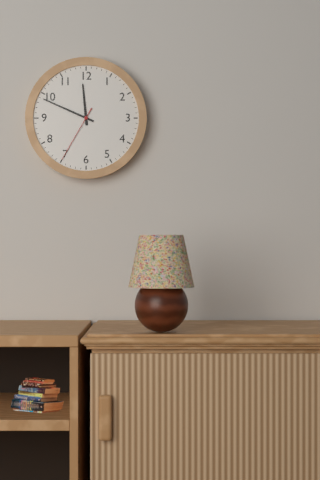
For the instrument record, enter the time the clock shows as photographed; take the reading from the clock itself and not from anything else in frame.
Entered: 11:49:35
